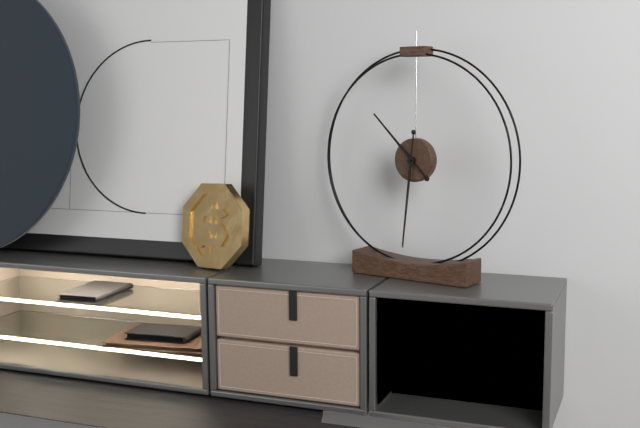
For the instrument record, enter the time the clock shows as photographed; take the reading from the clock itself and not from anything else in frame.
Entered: 10:31
